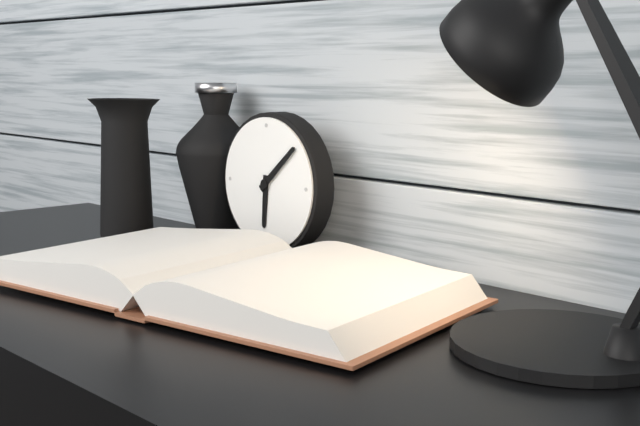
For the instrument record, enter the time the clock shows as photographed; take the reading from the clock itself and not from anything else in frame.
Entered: 6:08
